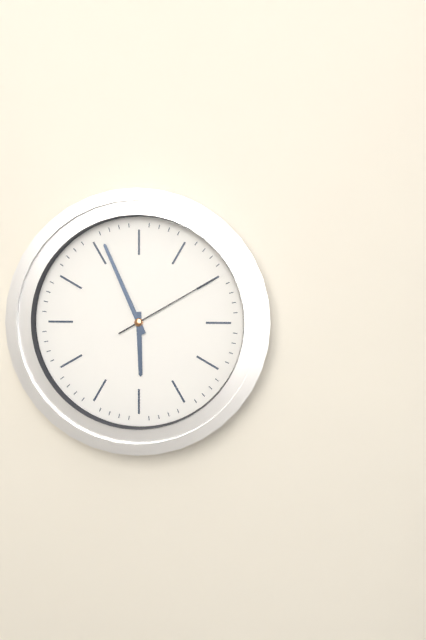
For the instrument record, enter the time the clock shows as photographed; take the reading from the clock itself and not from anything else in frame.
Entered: 5:56:10
